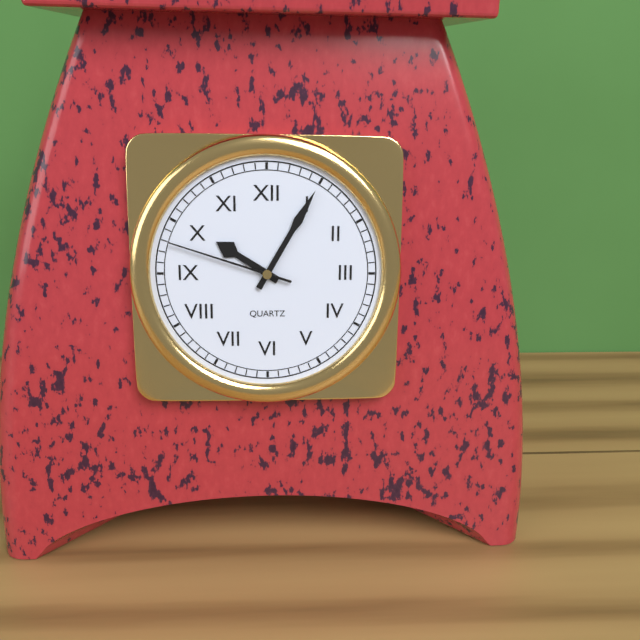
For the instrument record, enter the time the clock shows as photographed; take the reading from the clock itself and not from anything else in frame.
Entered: 10:05:48
